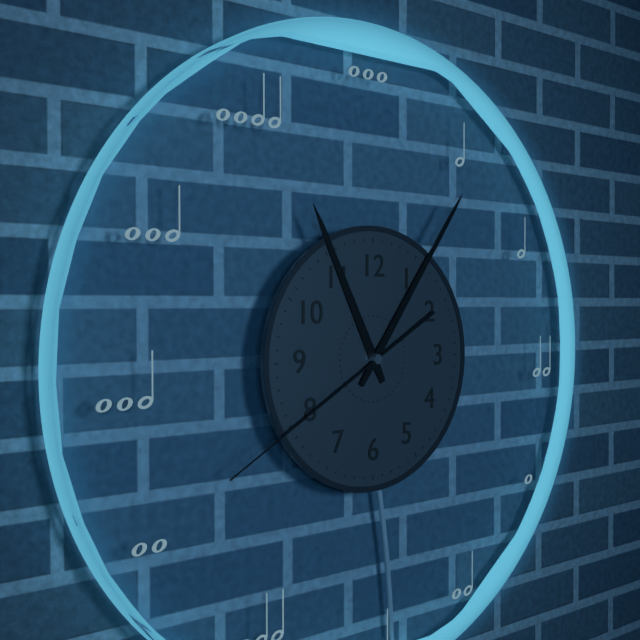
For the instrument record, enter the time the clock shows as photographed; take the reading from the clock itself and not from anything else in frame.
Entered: 11:06:40
